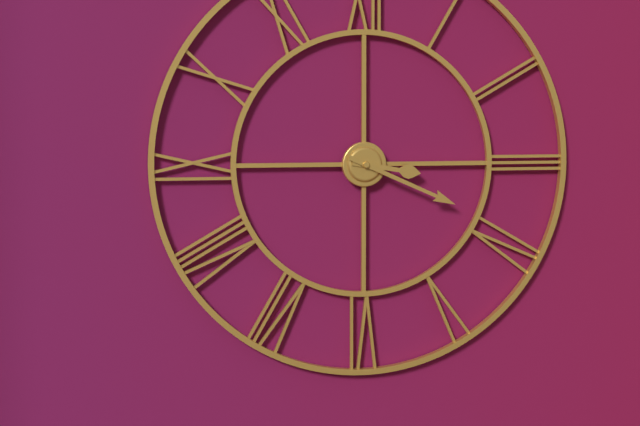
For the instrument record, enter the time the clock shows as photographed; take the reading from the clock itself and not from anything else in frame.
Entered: 3:19
